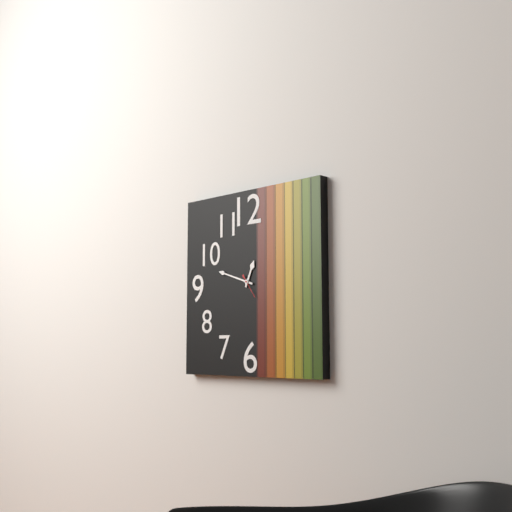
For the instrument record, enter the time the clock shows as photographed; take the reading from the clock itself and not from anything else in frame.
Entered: 12:48
